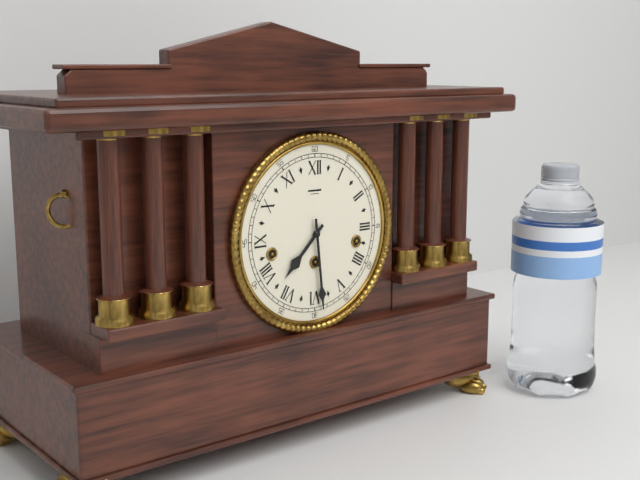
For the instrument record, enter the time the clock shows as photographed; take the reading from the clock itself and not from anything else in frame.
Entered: 7:29
